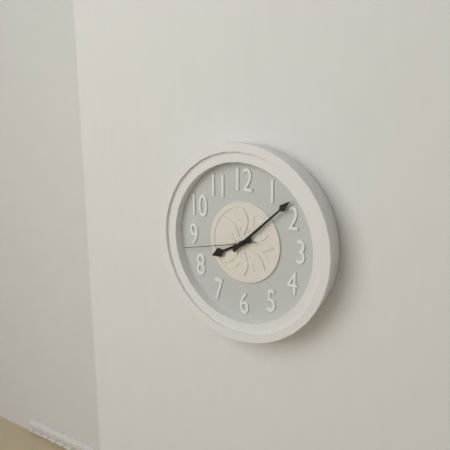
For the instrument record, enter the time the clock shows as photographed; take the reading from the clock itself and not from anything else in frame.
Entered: 8:08:43
